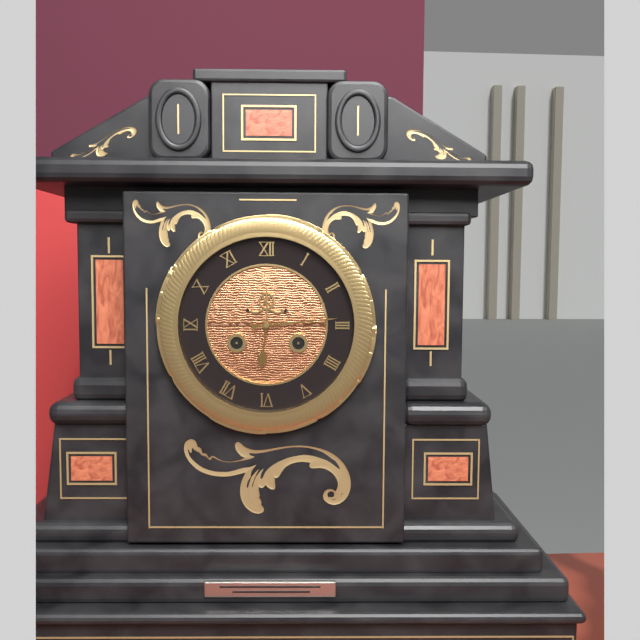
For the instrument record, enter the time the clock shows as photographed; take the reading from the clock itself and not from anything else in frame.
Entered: 6:14
